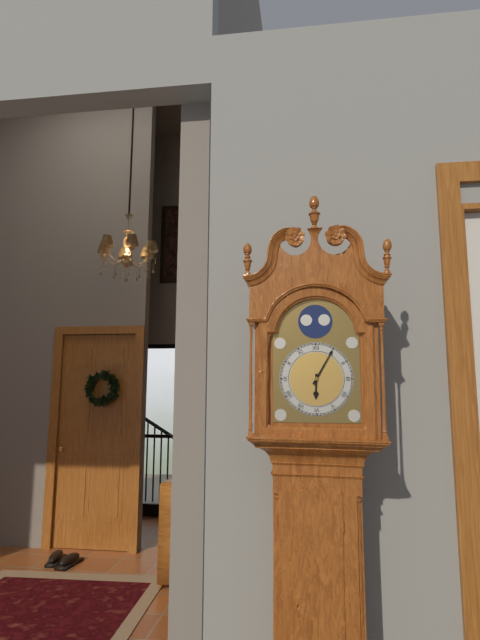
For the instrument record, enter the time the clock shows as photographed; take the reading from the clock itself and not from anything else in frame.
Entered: 6:05
